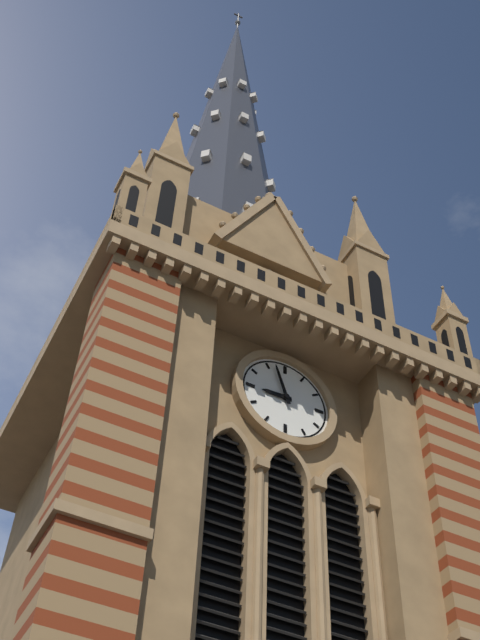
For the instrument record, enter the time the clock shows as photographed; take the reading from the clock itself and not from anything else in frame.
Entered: 8:57
